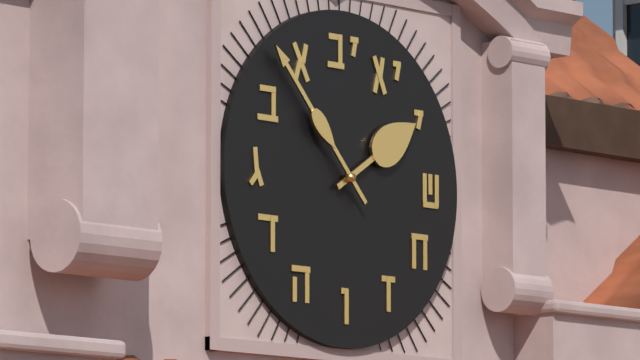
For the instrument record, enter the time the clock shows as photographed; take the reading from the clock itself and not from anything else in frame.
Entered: 1:53
